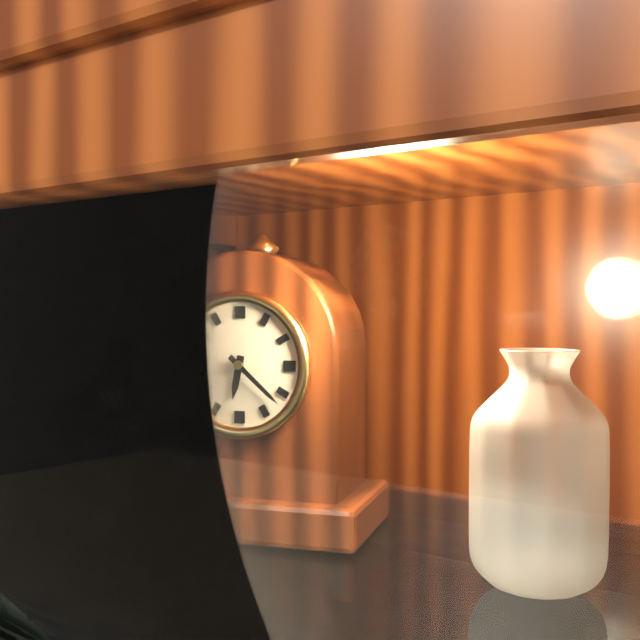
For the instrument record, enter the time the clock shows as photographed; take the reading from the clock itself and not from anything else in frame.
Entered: 6:22
